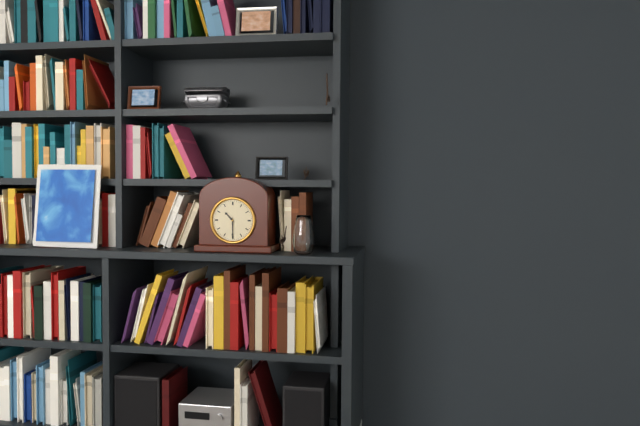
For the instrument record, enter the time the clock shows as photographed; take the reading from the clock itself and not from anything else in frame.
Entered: 10:30
